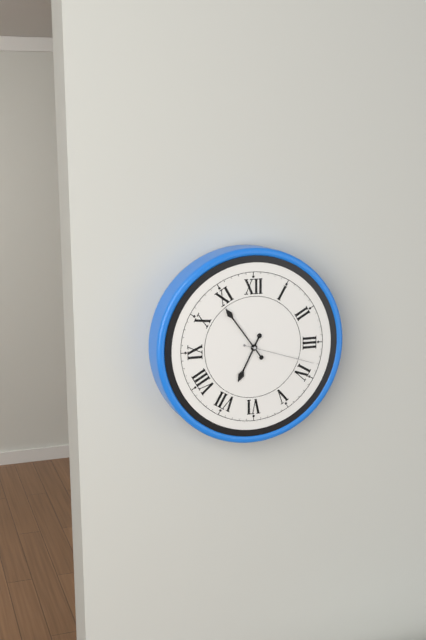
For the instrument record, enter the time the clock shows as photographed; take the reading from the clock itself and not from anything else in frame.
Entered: 6:54:18
